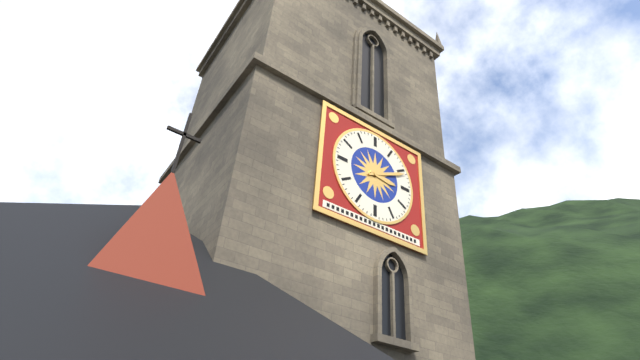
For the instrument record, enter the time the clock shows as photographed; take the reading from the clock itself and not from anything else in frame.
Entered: 3:11
